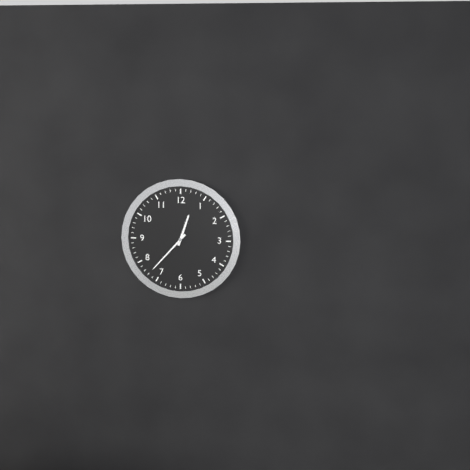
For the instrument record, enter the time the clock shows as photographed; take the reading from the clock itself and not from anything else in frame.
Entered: 12:37
